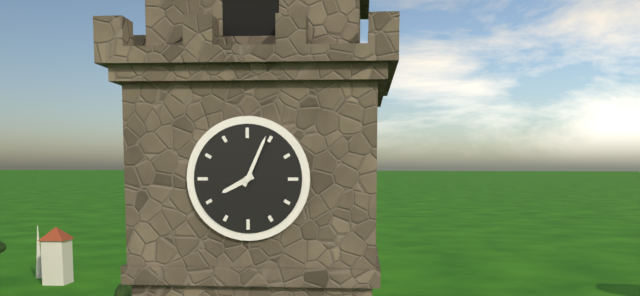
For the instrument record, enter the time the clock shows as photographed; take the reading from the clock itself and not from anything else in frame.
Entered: 8:04
